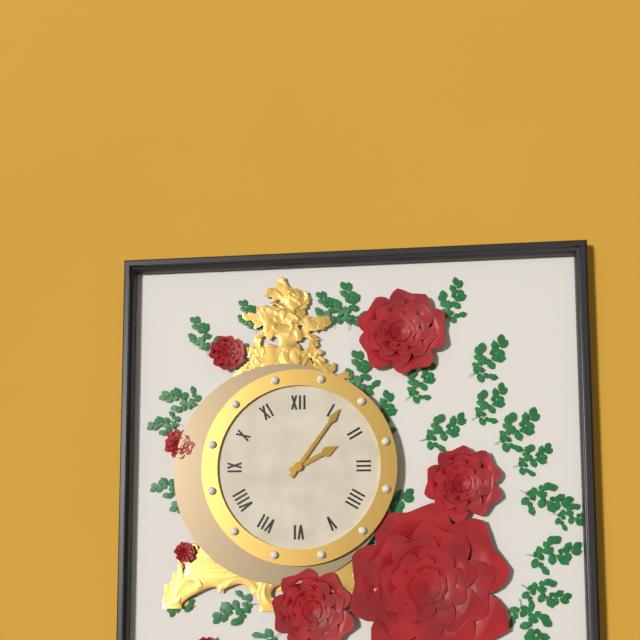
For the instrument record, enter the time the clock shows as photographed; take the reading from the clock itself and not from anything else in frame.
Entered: 2:06
